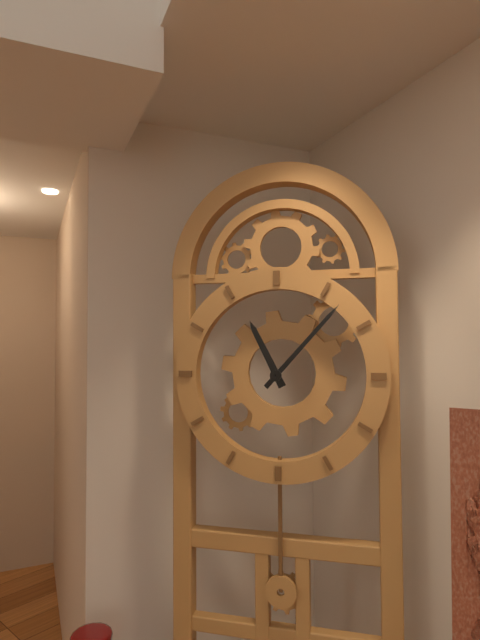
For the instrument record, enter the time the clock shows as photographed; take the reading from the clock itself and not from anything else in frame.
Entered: 11:07
